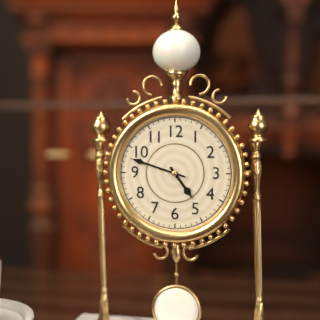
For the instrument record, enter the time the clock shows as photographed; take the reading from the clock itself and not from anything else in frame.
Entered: 4:48
